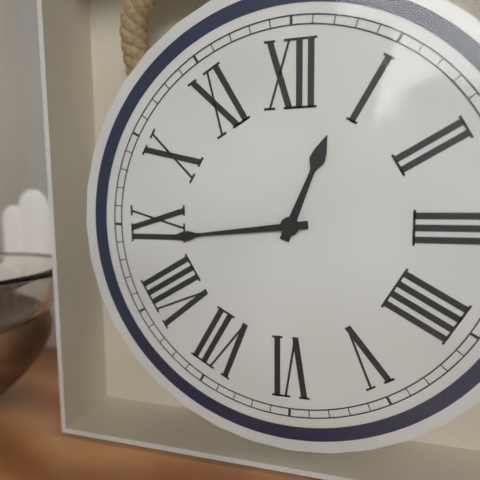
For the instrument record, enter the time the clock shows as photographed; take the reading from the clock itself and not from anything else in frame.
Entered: 12:44
